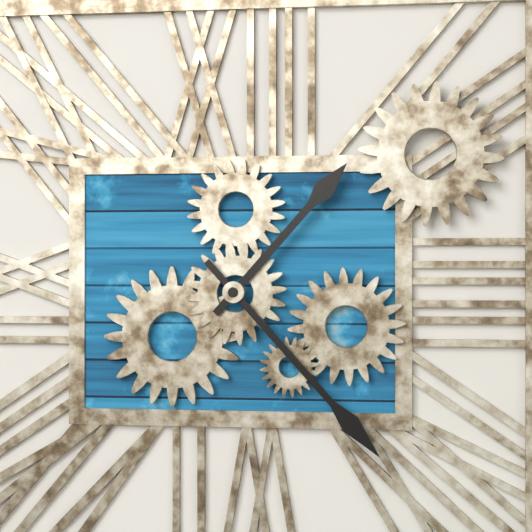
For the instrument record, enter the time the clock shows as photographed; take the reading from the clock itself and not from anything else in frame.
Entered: 1:23
